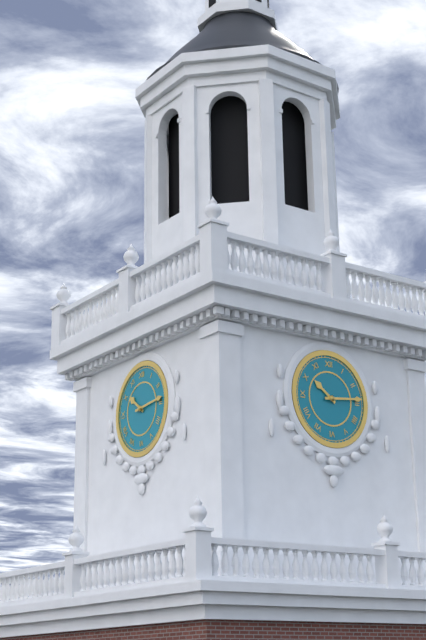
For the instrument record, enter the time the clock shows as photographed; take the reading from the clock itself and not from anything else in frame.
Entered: 10:14
